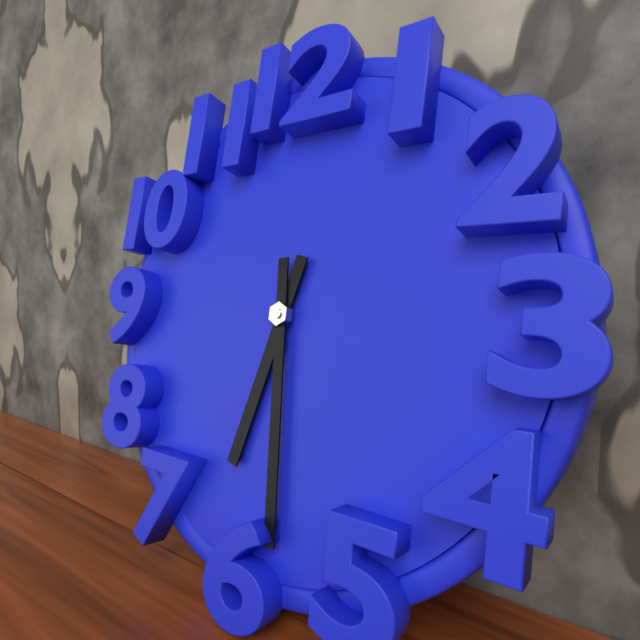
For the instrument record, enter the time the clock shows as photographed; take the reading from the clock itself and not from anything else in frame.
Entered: 6:29
